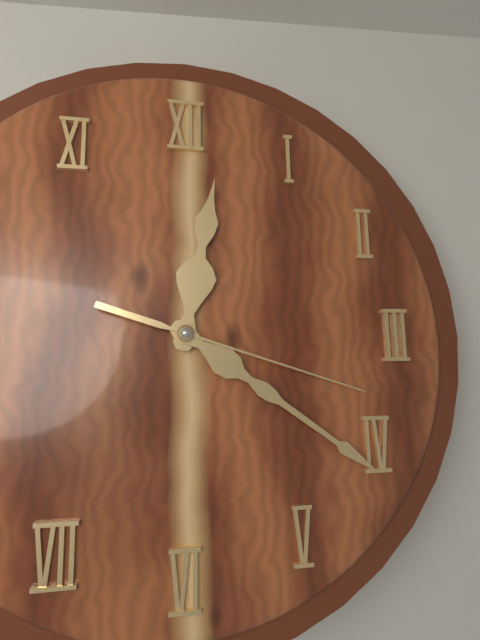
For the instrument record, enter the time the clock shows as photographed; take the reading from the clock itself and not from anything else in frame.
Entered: 12:21:18
